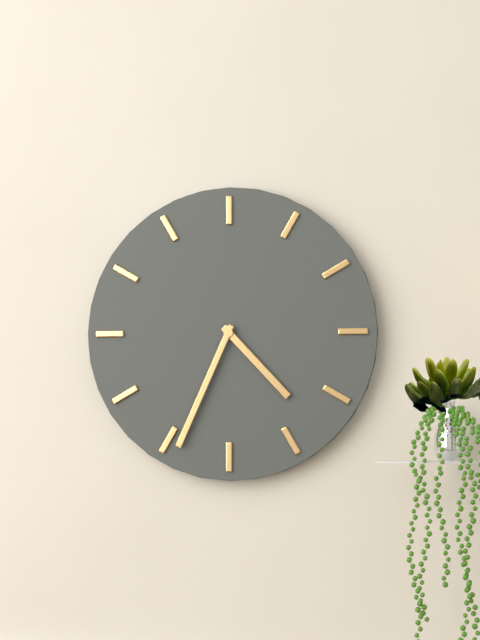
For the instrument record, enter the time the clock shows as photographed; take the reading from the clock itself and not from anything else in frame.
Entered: 4:34
